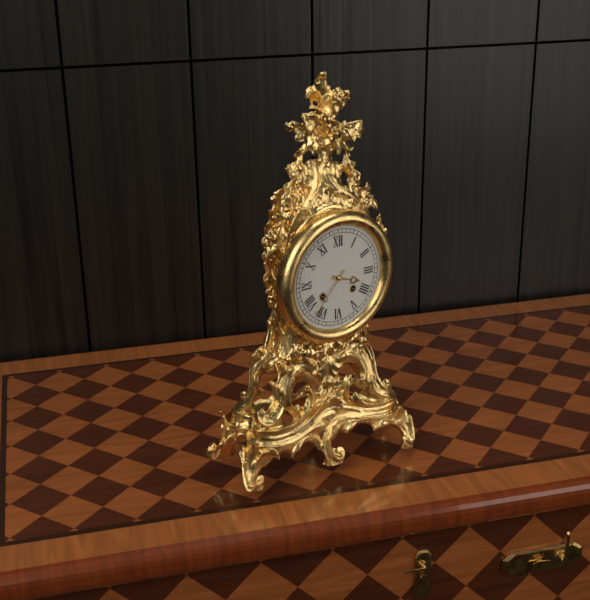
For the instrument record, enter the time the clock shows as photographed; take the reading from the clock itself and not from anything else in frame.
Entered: 3:37
